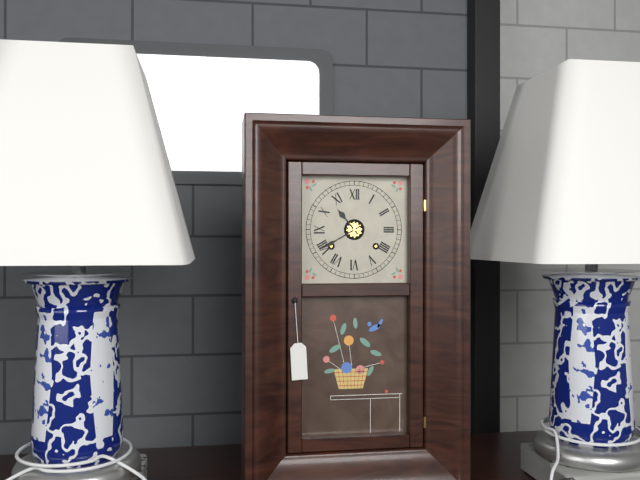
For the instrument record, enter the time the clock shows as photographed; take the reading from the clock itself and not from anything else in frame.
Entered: 10:40
